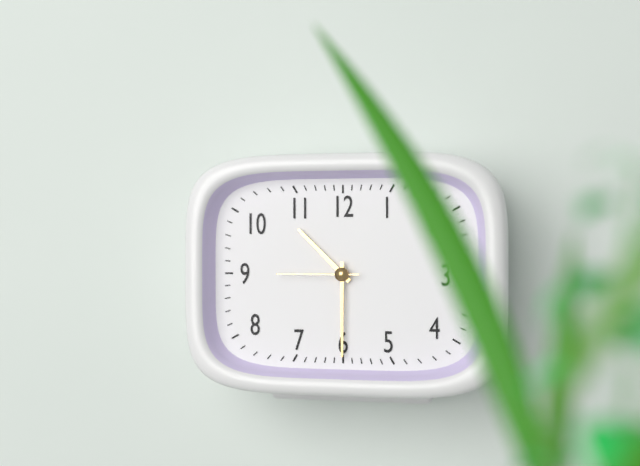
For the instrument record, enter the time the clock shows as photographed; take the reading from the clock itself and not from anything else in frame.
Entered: 10:30:45
